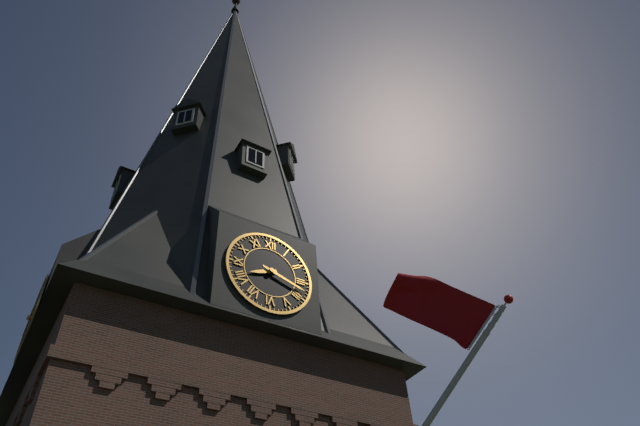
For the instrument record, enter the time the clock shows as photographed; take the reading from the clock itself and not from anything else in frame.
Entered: 8:18
